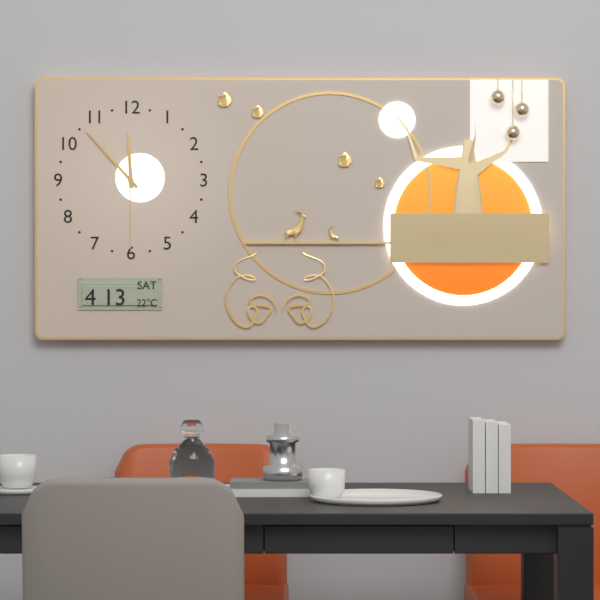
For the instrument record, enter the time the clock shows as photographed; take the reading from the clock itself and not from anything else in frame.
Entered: 11:53:30
